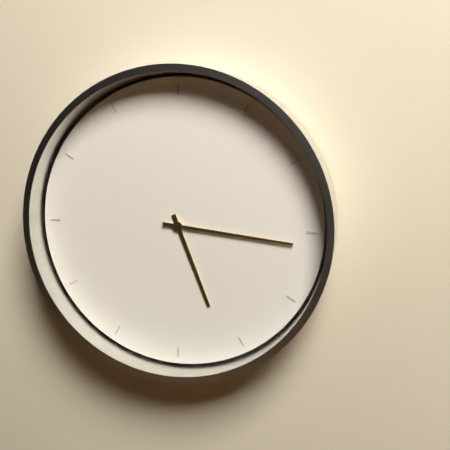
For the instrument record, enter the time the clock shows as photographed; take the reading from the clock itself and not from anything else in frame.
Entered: 5:16
